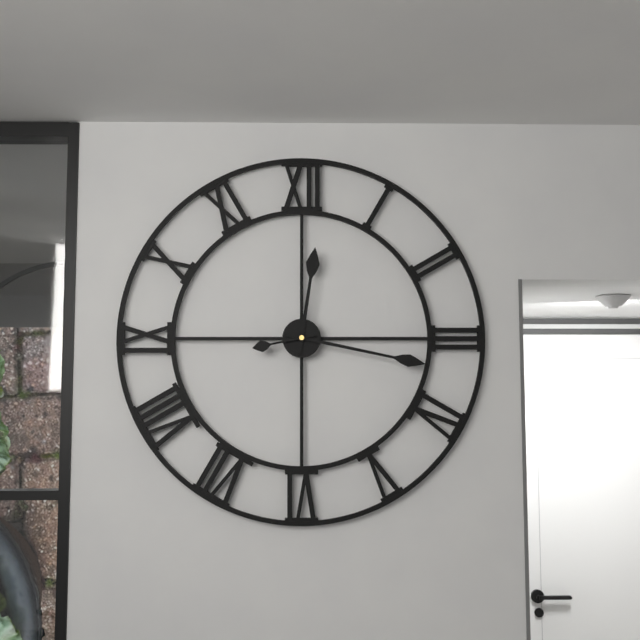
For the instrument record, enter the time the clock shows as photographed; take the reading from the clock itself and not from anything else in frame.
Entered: 12:17:43
